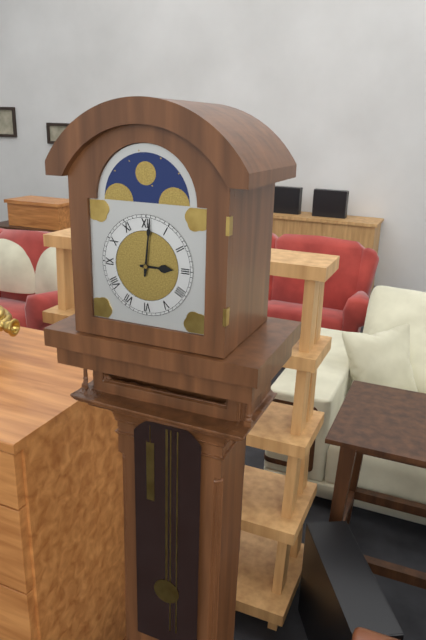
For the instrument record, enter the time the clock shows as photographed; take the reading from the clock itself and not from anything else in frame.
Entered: 3:01
